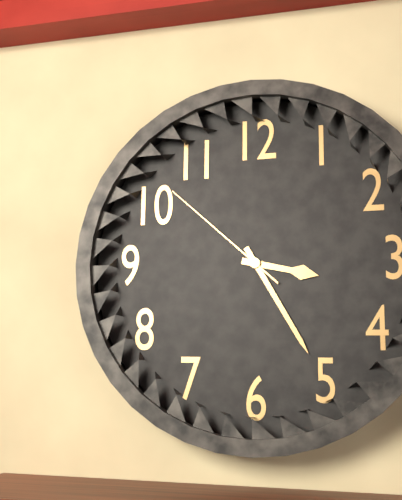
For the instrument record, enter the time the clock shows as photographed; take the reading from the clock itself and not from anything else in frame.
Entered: 3:25:52
